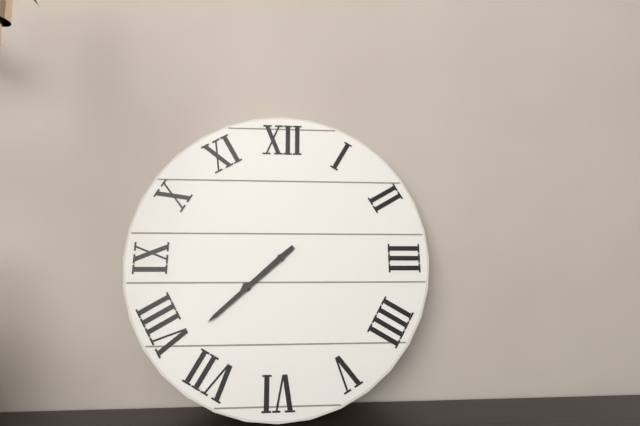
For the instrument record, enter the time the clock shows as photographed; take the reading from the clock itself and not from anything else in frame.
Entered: 7:38
